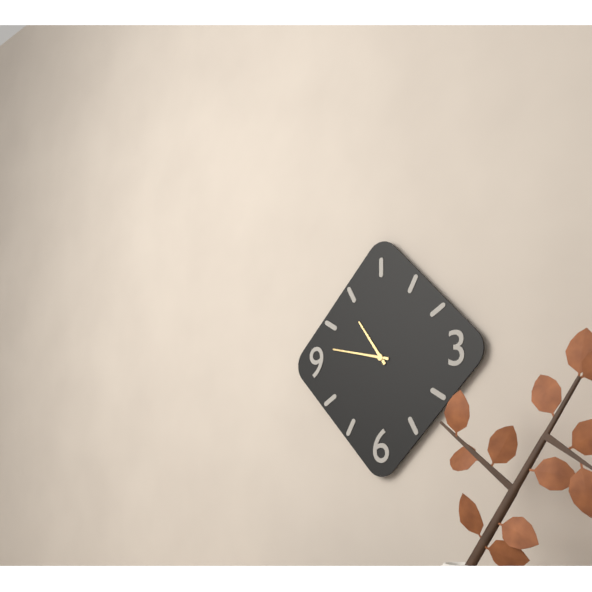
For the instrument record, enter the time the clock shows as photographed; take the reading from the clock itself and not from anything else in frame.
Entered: 10:47
